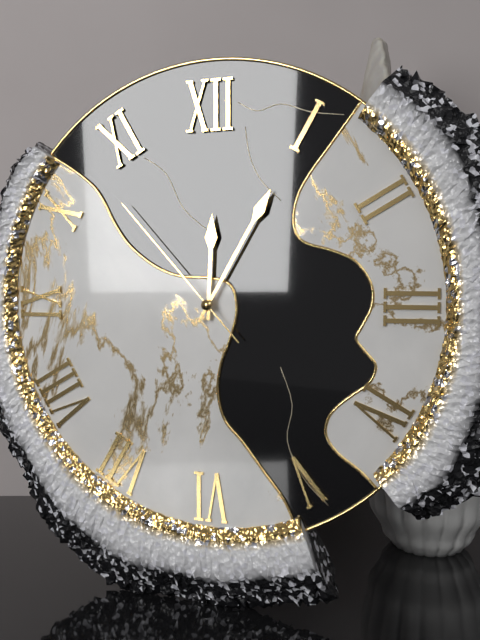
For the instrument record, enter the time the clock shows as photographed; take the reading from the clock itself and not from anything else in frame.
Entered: 12:05:53
